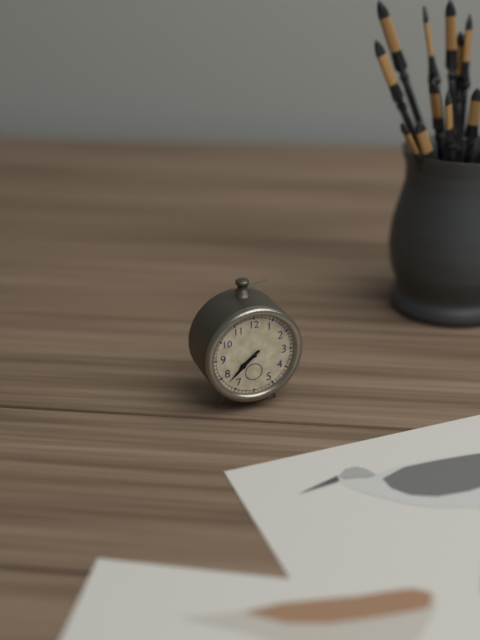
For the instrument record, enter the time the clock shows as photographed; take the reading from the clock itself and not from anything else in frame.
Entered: 7:38
